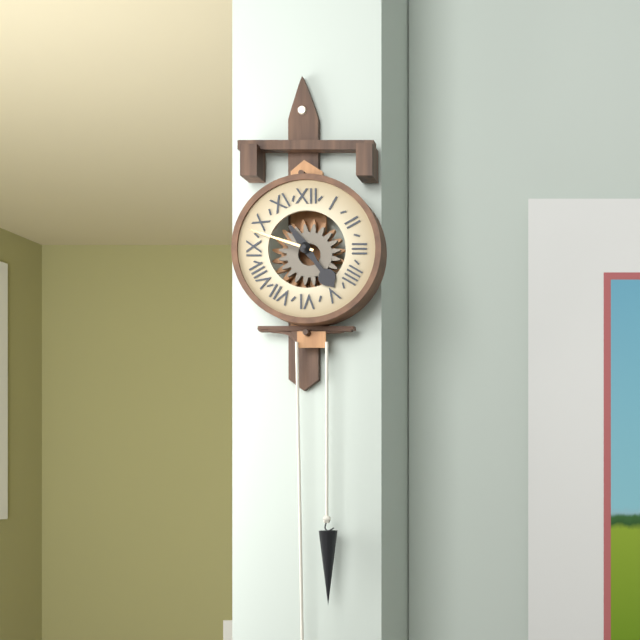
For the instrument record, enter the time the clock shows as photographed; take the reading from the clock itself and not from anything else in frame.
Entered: 4:48
